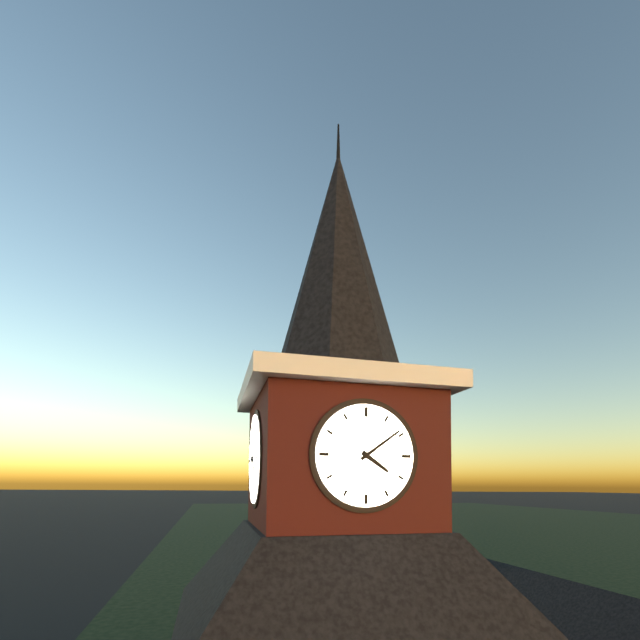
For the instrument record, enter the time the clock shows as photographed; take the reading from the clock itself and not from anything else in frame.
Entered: 4:09
